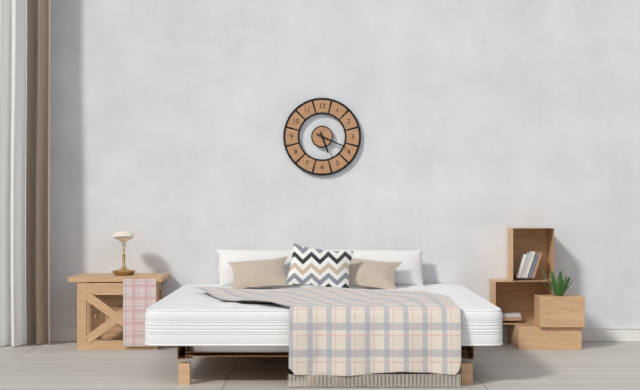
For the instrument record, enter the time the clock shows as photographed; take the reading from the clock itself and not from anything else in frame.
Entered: 5:19
